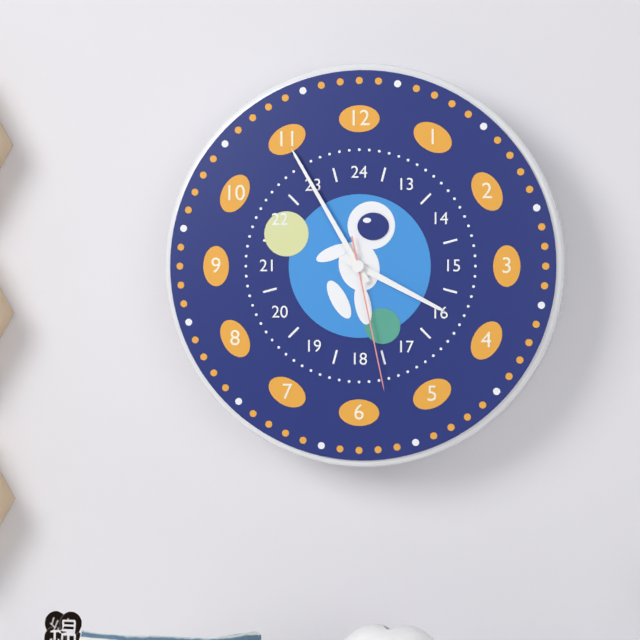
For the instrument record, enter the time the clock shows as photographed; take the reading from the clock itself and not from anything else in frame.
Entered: 3:55:28
